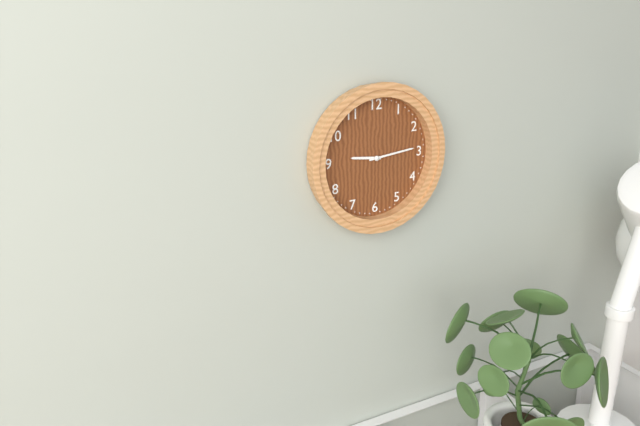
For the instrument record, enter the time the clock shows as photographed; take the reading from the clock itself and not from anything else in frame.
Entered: 9:14
